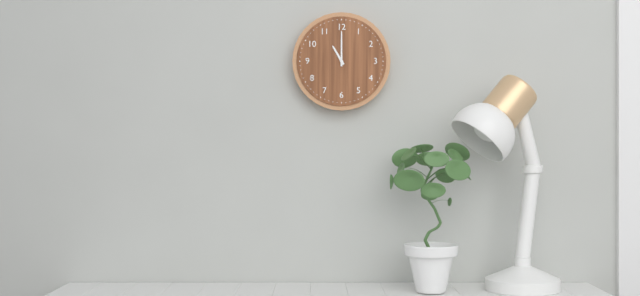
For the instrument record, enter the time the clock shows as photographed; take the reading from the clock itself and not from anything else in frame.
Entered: 11:00
